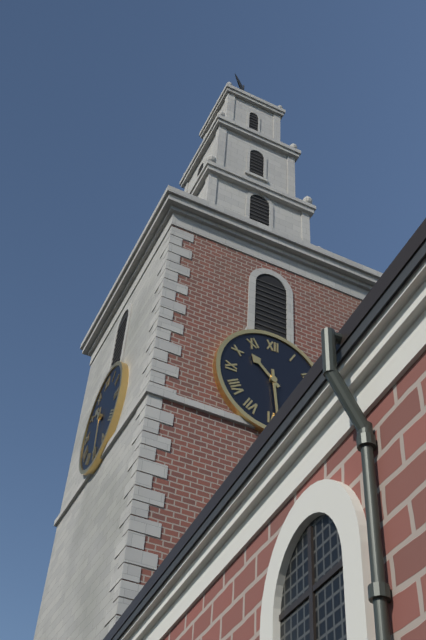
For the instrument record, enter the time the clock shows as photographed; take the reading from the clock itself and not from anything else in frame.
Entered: 10:29
